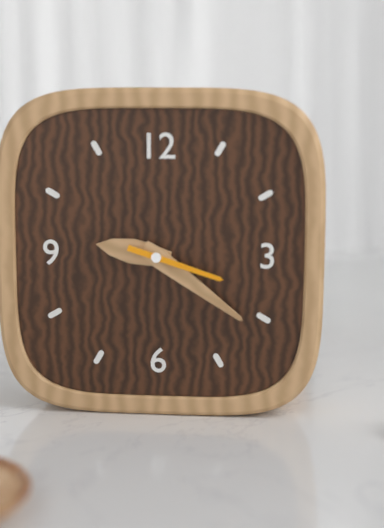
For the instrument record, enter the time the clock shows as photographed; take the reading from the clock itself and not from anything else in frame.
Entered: 9:21:18
